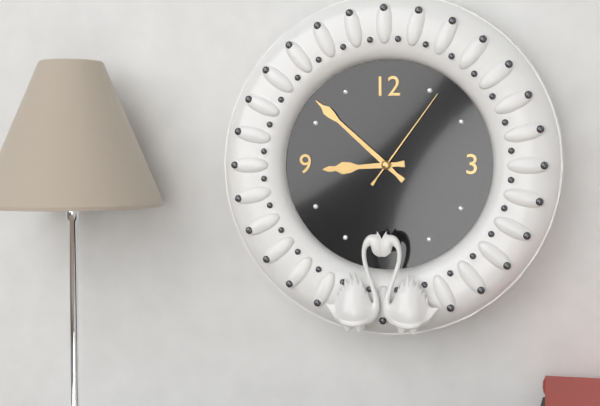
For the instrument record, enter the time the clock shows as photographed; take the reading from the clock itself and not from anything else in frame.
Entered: 8:52:06
